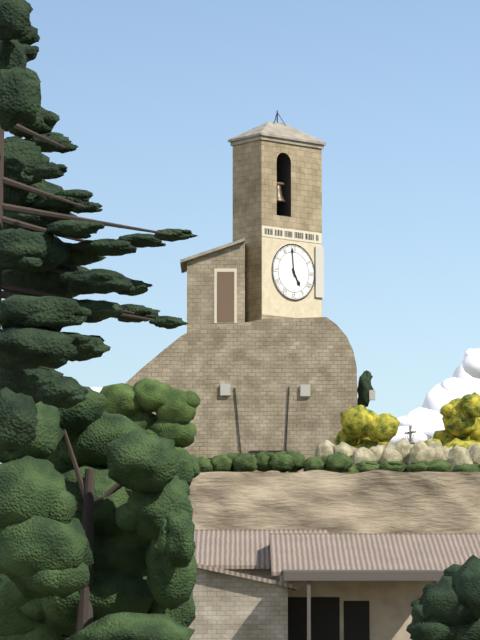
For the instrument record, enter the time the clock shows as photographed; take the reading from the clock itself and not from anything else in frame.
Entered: 4:59
